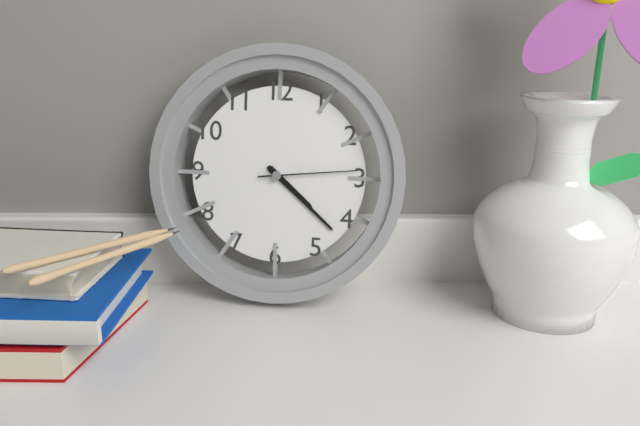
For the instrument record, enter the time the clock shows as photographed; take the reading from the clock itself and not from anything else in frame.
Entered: 4:22:14
